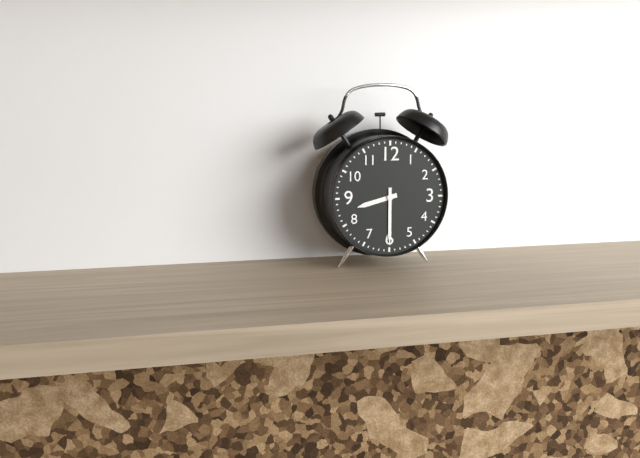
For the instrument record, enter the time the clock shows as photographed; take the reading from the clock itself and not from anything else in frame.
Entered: 8:30
